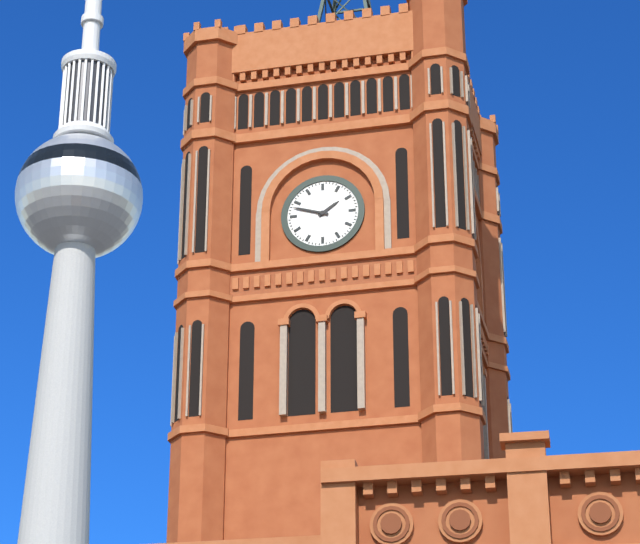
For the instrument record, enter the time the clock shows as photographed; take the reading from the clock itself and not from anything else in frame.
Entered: 1:48
